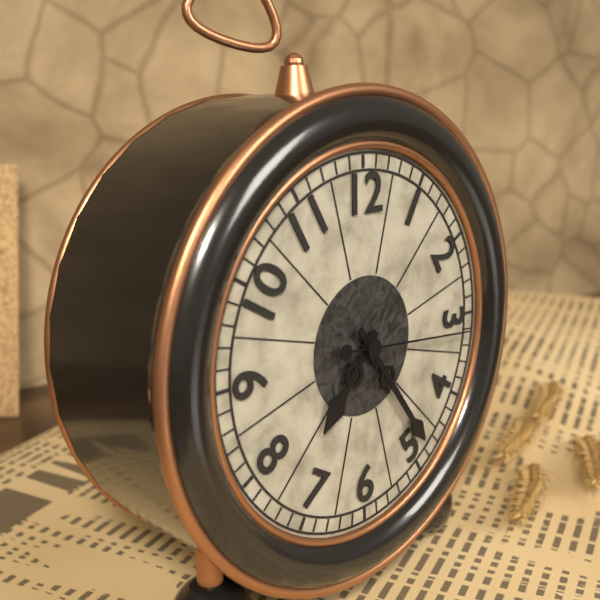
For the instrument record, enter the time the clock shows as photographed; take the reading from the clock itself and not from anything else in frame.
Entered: 7:24:16
